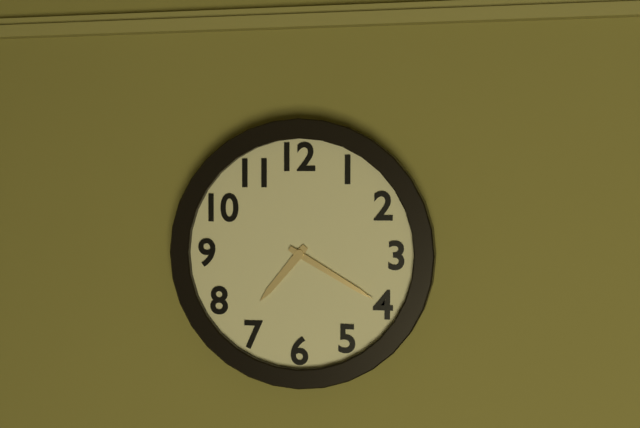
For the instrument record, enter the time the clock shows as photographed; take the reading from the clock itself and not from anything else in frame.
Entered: 7:20
